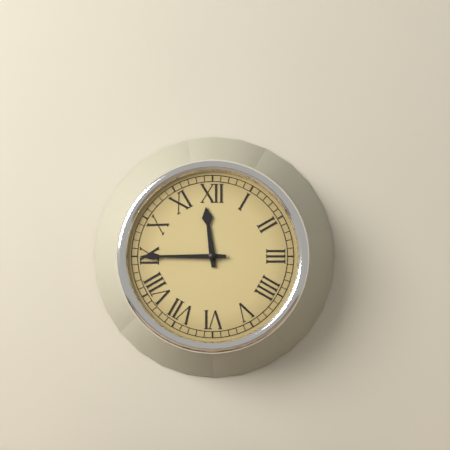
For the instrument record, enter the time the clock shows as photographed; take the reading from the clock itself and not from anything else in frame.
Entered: 11:45
